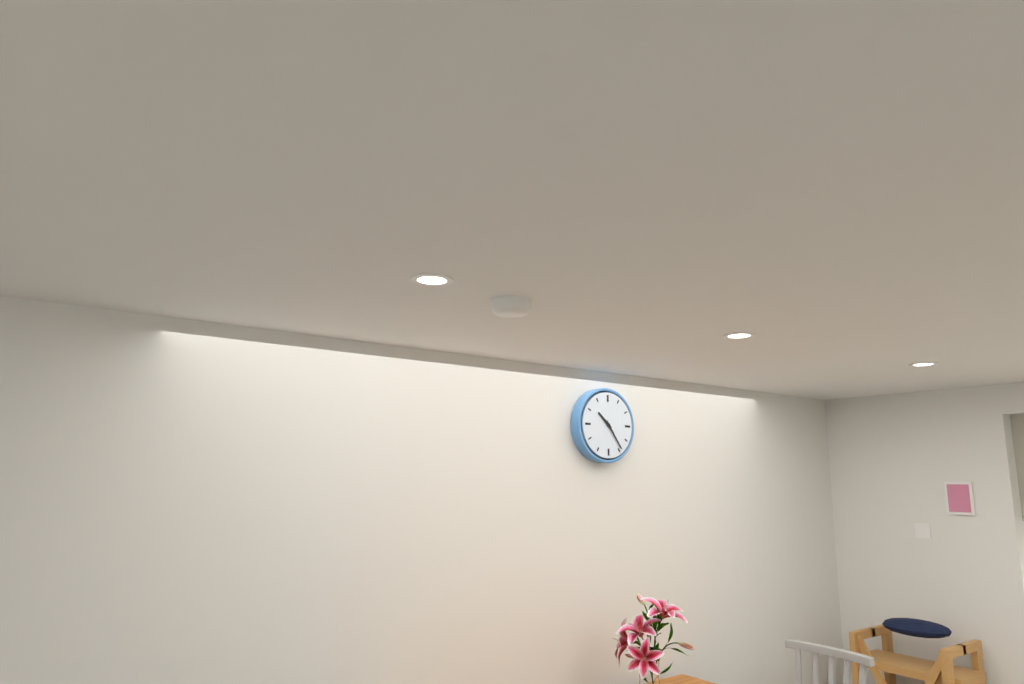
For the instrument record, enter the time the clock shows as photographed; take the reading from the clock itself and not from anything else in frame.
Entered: 10:24
